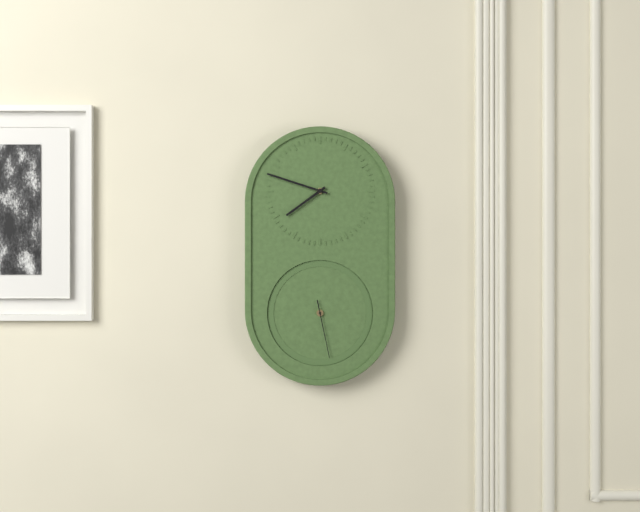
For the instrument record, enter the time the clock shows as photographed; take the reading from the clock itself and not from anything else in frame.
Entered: 7:48:28
